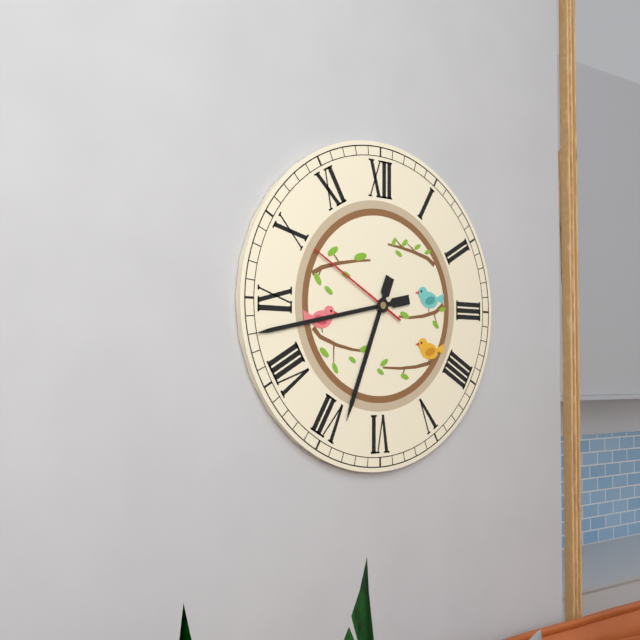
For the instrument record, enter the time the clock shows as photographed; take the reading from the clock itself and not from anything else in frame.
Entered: 6:43:50
